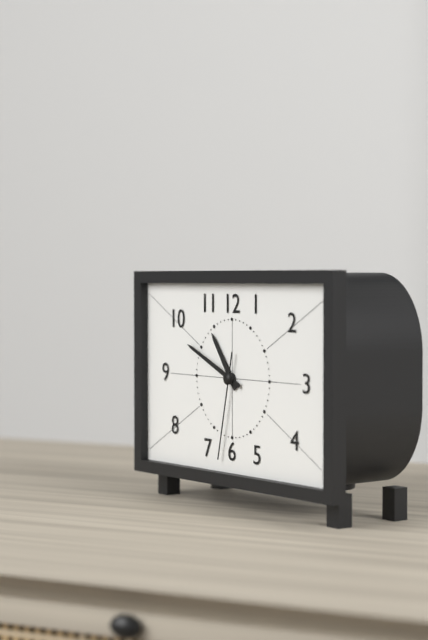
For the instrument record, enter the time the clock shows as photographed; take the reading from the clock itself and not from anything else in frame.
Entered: 10:49:32
